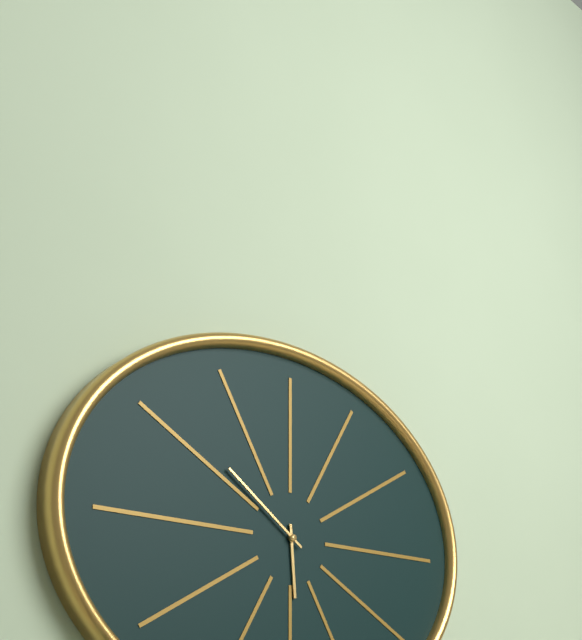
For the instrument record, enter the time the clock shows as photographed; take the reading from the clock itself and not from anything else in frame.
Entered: 5:51
